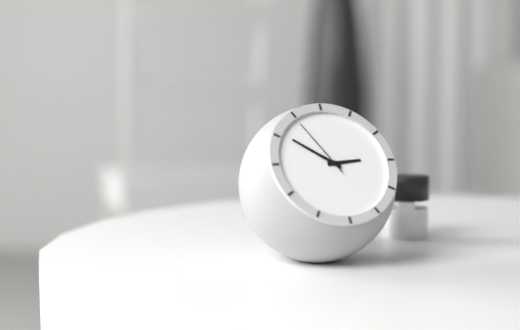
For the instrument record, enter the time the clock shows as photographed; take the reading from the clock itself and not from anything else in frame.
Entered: 2:51:55
